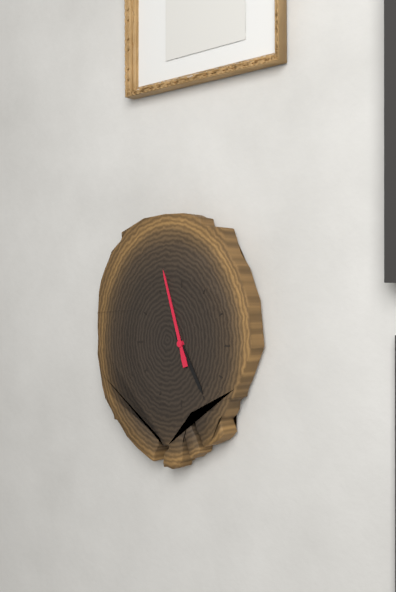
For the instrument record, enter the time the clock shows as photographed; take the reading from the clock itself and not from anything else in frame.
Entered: 4:57
